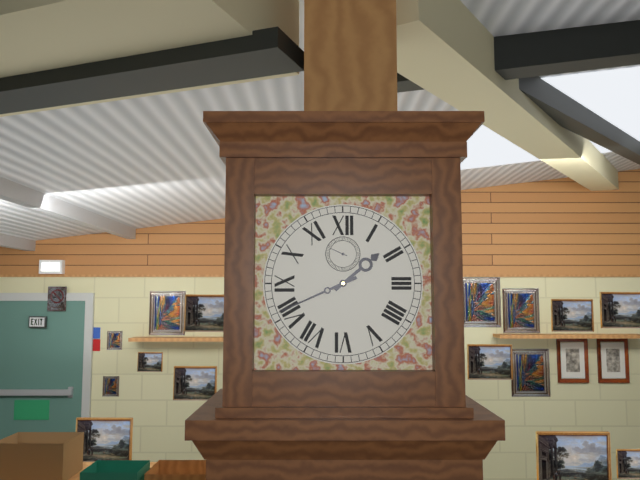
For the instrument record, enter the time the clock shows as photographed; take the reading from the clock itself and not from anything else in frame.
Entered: 1:41
